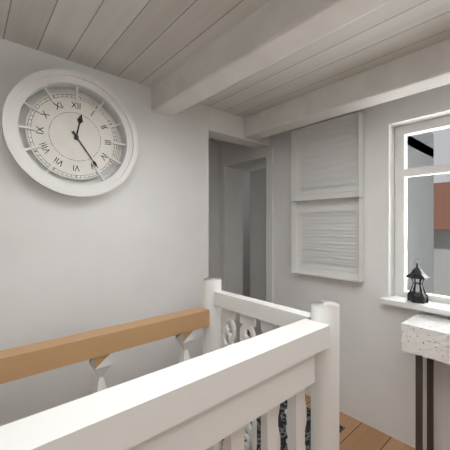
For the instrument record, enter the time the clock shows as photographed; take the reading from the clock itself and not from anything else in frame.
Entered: 12:24
